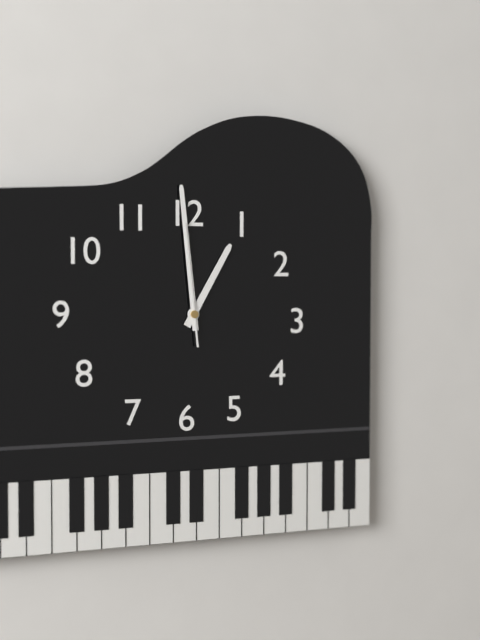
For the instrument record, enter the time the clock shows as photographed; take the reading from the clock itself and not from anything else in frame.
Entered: 12:59:59
